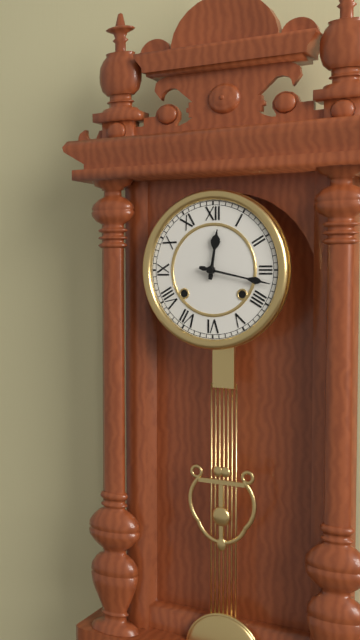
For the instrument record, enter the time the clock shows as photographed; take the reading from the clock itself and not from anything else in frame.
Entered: 12:17
